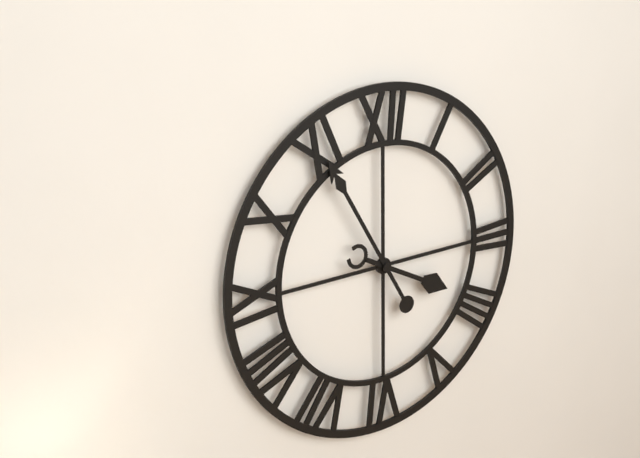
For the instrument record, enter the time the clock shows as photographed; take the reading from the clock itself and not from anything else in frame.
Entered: 3:55
